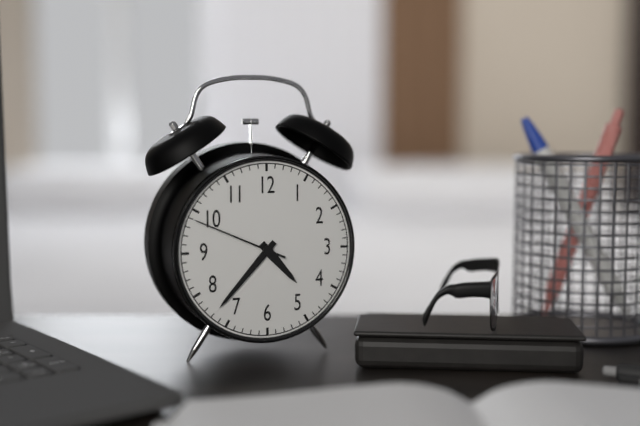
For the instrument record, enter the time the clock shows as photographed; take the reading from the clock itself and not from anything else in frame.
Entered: 4:37:49
